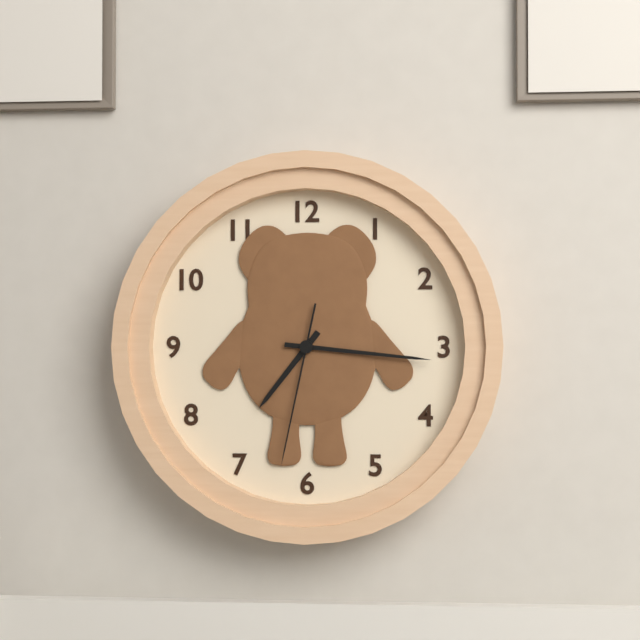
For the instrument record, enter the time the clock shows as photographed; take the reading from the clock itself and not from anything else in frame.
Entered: 7:16:32
